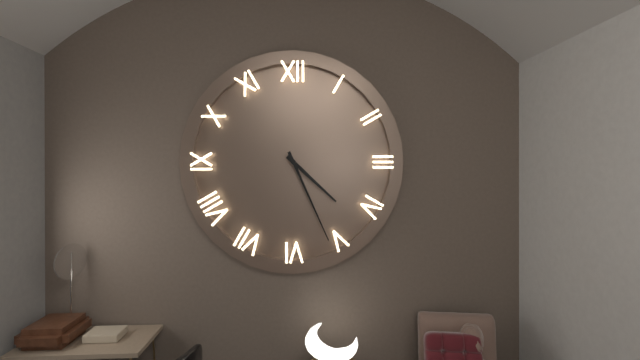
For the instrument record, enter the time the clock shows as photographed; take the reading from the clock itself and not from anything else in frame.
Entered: 4:26
